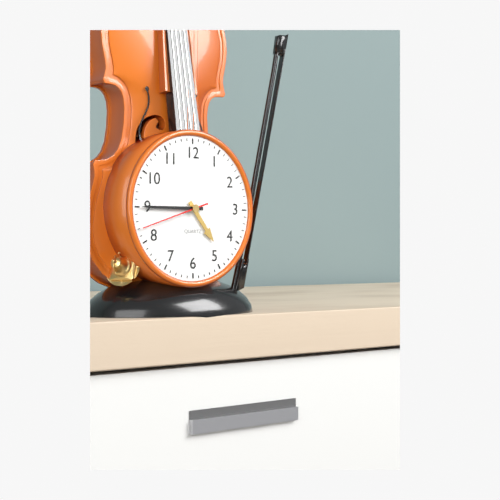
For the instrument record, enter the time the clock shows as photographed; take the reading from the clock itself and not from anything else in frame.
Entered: 4:45:42
